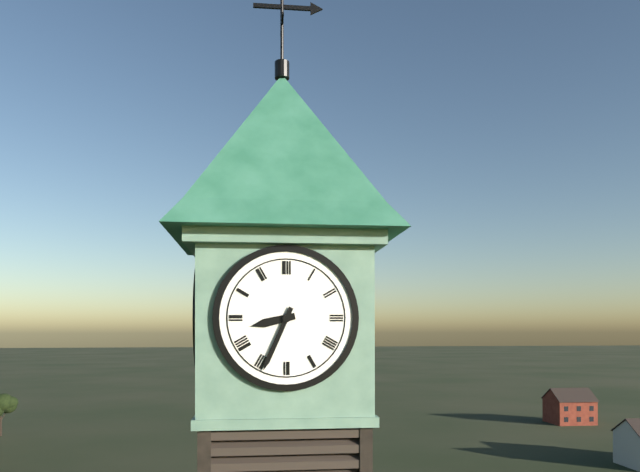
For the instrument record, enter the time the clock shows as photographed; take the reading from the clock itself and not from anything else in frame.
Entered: 8:34
